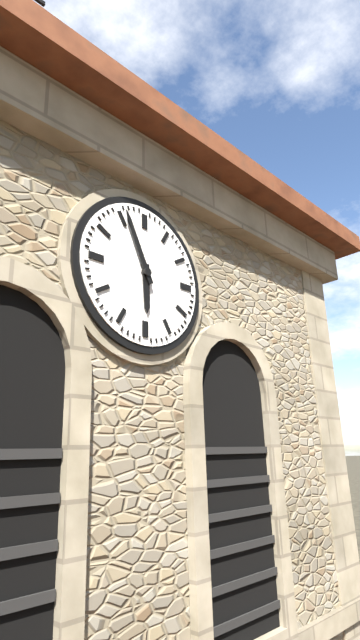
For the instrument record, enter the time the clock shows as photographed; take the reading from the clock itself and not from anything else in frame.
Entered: 5:56
